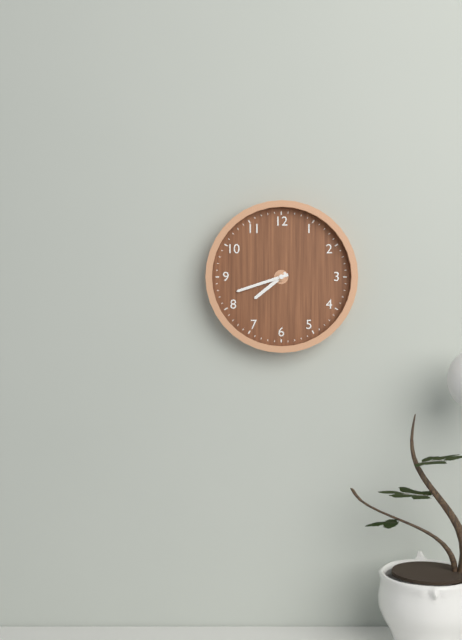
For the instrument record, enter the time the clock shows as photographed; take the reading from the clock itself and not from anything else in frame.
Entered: 7:42
